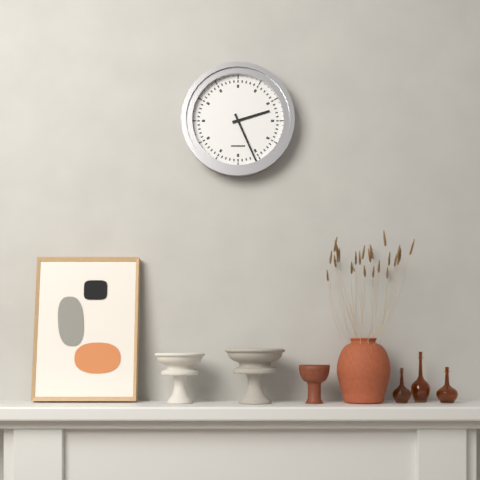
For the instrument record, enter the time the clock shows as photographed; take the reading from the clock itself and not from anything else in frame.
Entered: 2:26
